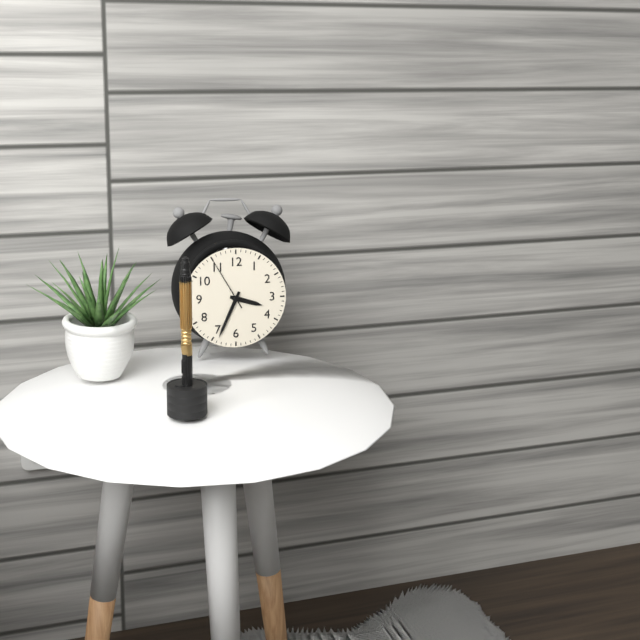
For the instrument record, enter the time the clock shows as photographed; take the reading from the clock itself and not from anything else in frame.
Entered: 3:34:55
